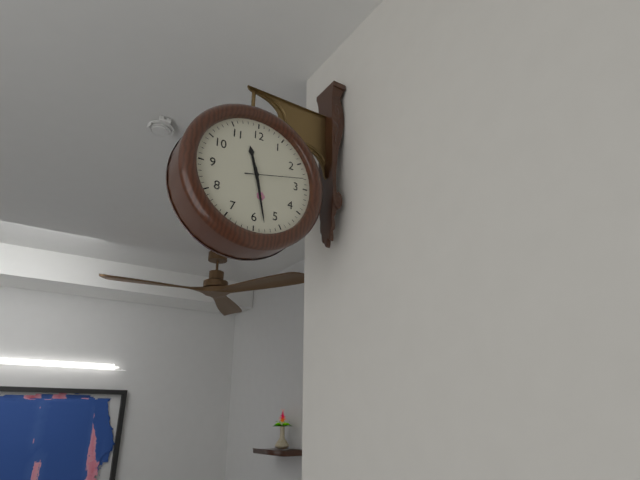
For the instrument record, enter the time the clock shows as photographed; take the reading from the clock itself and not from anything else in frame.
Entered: 11:28:13
